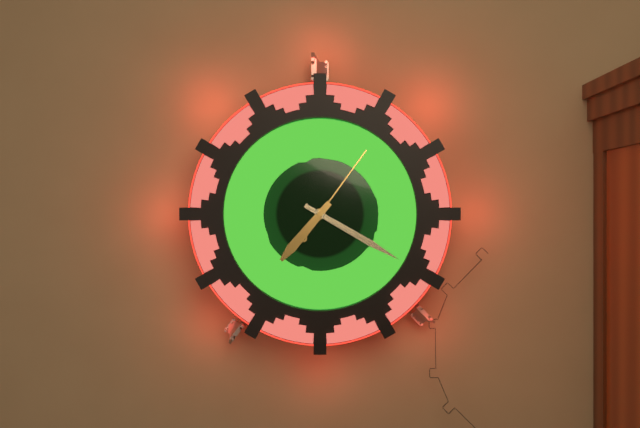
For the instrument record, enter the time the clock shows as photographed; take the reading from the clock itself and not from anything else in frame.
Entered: 7:20:06
